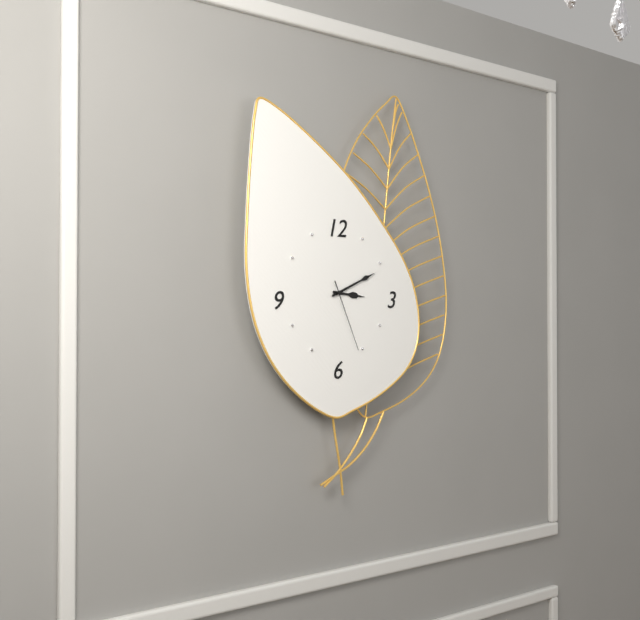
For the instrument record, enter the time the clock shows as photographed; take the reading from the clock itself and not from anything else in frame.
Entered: 3:11:26
